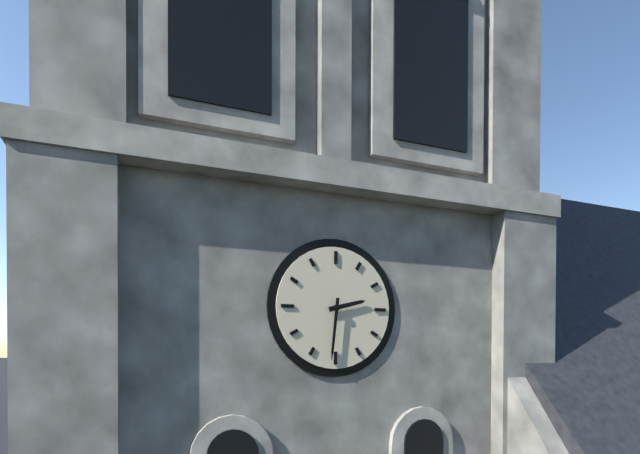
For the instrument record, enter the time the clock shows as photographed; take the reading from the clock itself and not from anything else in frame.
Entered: 2:31
